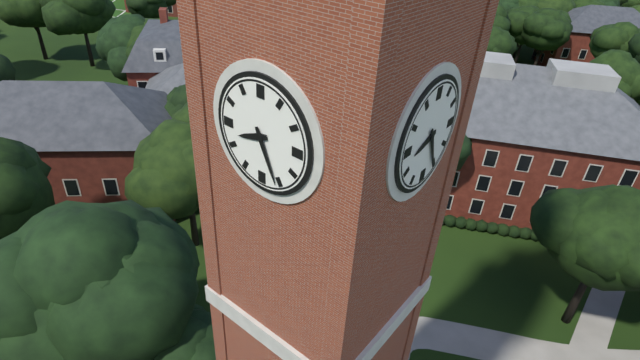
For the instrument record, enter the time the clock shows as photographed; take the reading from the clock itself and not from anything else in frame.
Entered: 8:26
